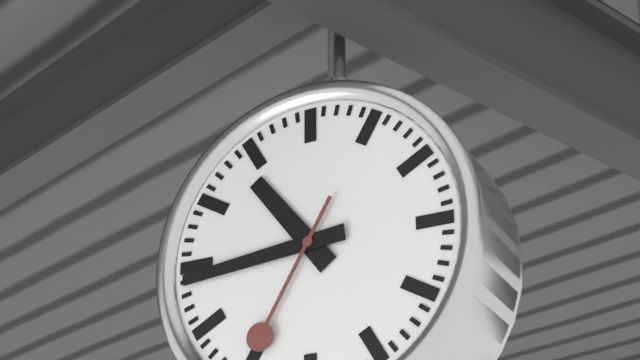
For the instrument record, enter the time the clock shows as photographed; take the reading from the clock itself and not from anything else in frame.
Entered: 10:44:35
